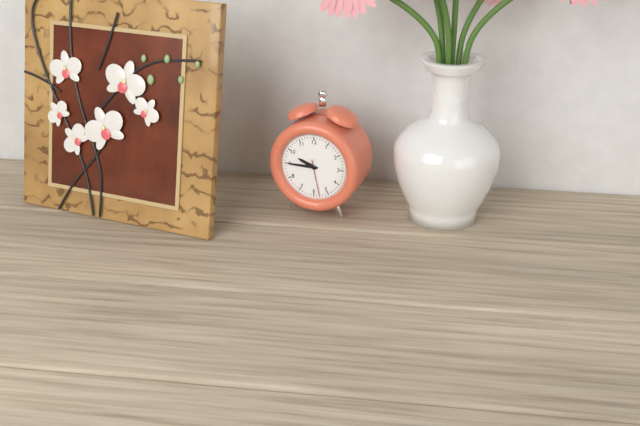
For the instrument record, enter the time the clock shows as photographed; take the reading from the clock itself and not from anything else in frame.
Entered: 9:45
